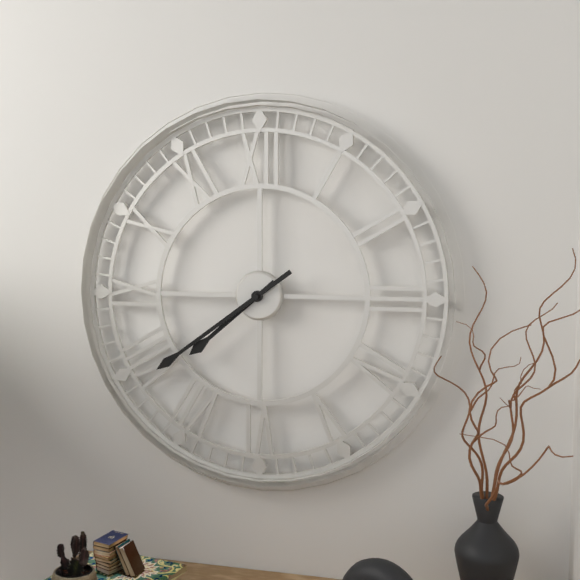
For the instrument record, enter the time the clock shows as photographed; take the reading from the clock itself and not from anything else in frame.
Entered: 7:39
